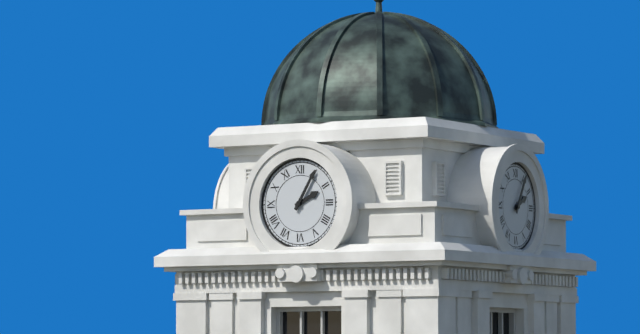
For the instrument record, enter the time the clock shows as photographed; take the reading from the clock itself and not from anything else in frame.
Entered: 2:05
